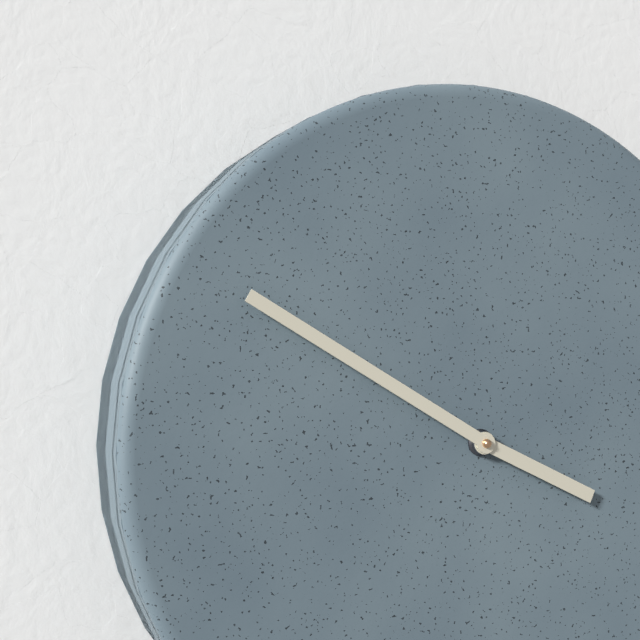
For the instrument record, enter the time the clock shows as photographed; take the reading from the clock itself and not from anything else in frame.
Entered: 3:50
